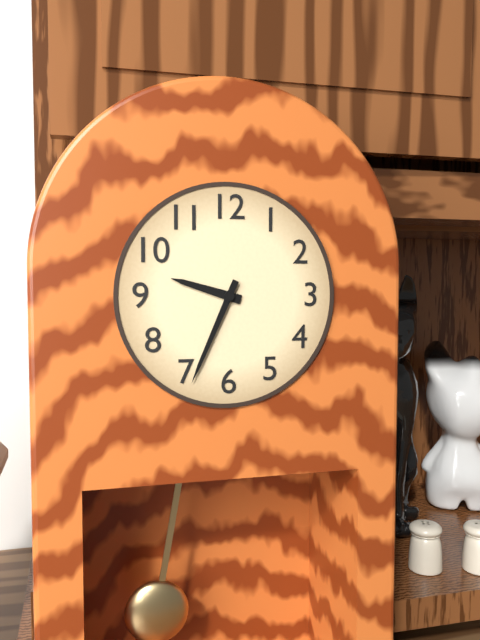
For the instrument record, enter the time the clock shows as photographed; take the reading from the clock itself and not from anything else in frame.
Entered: 9:34
